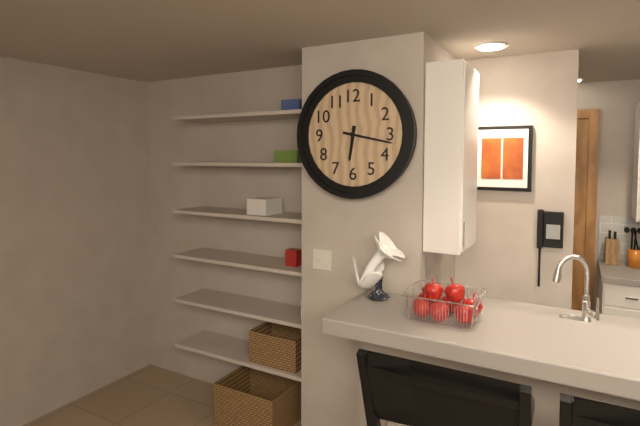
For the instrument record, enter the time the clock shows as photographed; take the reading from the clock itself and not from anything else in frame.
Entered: 6:17
